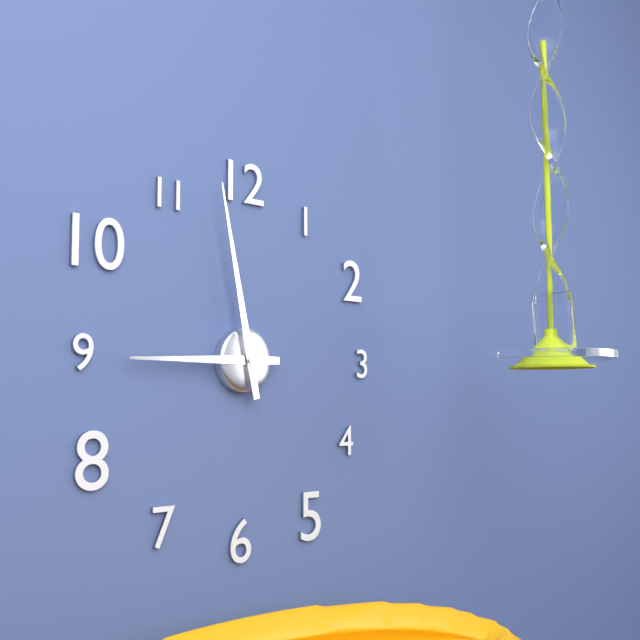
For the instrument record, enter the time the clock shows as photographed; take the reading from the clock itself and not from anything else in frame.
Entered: 8:58
